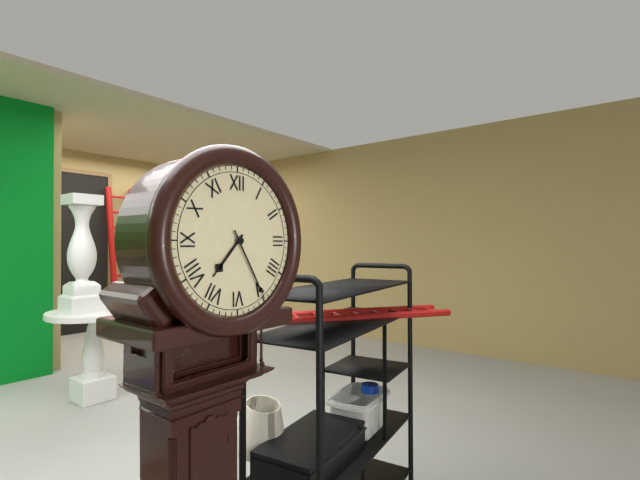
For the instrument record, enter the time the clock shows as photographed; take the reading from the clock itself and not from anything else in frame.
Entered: 7:25
